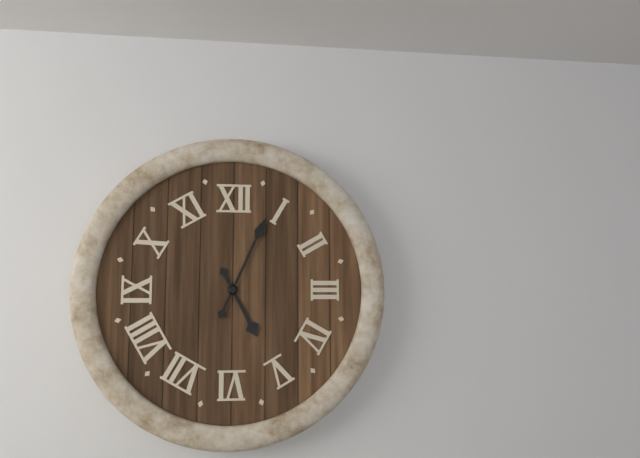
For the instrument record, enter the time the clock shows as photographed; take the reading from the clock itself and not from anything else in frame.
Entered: 5:04
